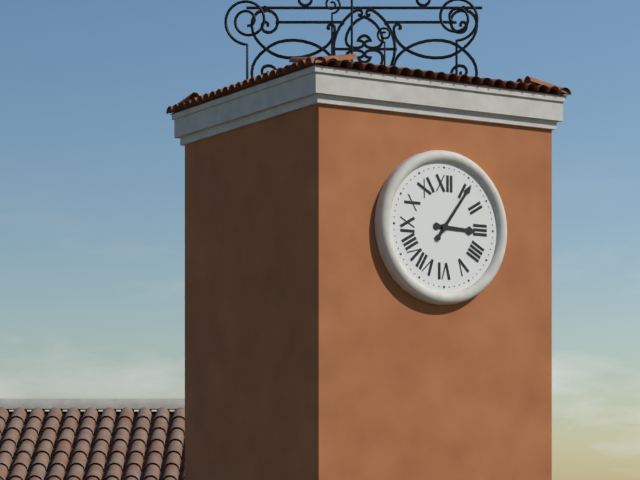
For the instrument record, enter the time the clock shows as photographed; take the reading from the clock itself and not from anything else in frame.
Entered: 3:06
